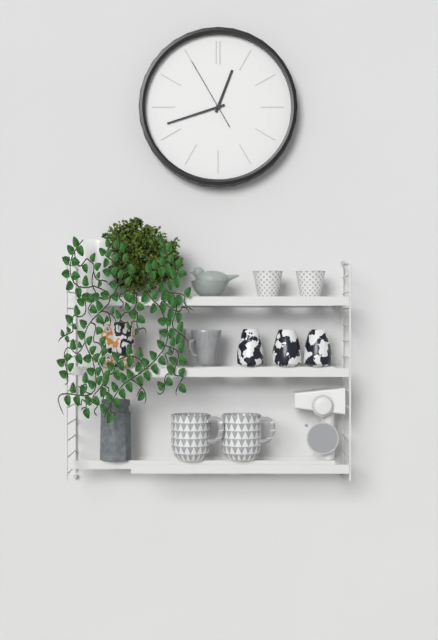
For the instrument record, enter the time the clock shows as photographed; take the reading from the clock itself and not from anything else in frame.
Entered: 12:42:55
